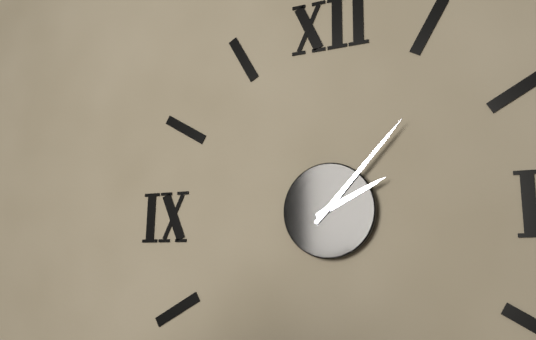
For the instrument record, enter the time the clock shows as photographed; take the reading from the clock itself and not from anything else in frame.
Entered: 2:07
